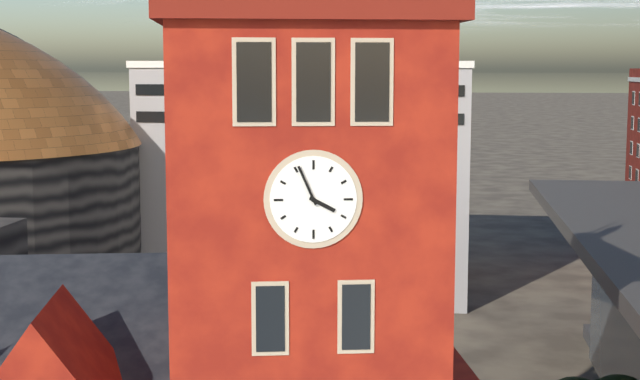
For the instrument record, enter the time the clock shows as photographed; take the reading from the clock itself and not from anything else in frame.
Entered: 3:56
